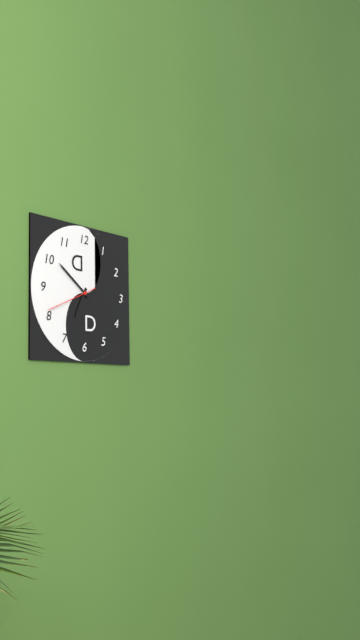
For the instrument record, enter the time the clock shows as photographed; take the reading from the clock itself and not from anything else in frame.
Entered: 6:51:41
